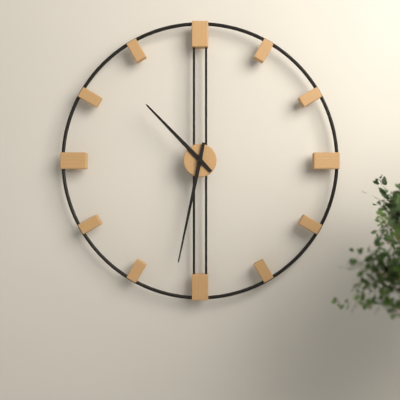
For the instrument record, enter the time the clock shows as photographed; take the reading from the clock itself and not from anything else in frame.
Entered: 10:32
